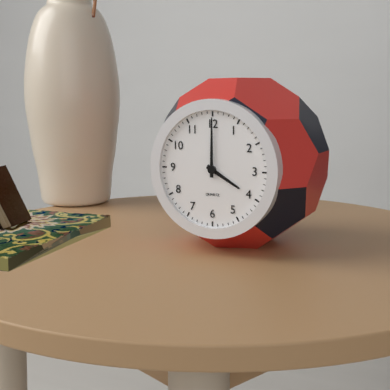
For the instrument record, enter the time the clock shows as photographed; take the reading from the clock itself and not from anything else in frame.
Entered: 4:00
